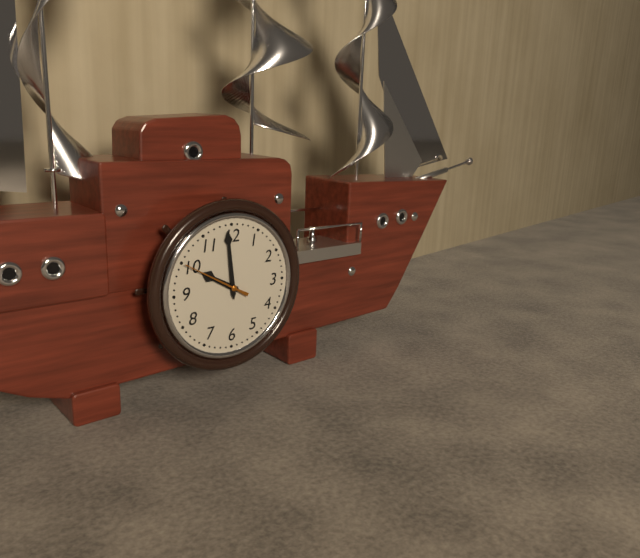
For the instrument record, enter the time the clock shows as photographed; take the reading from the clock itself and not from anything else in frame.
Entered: 9:59:50
